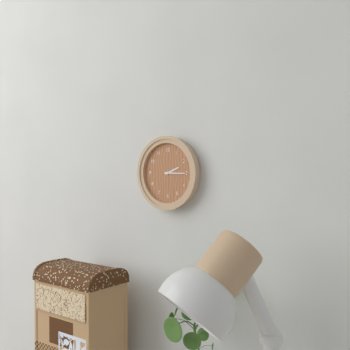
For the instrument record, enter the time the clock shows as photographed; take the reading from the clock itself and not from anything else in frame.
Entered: 2:15
